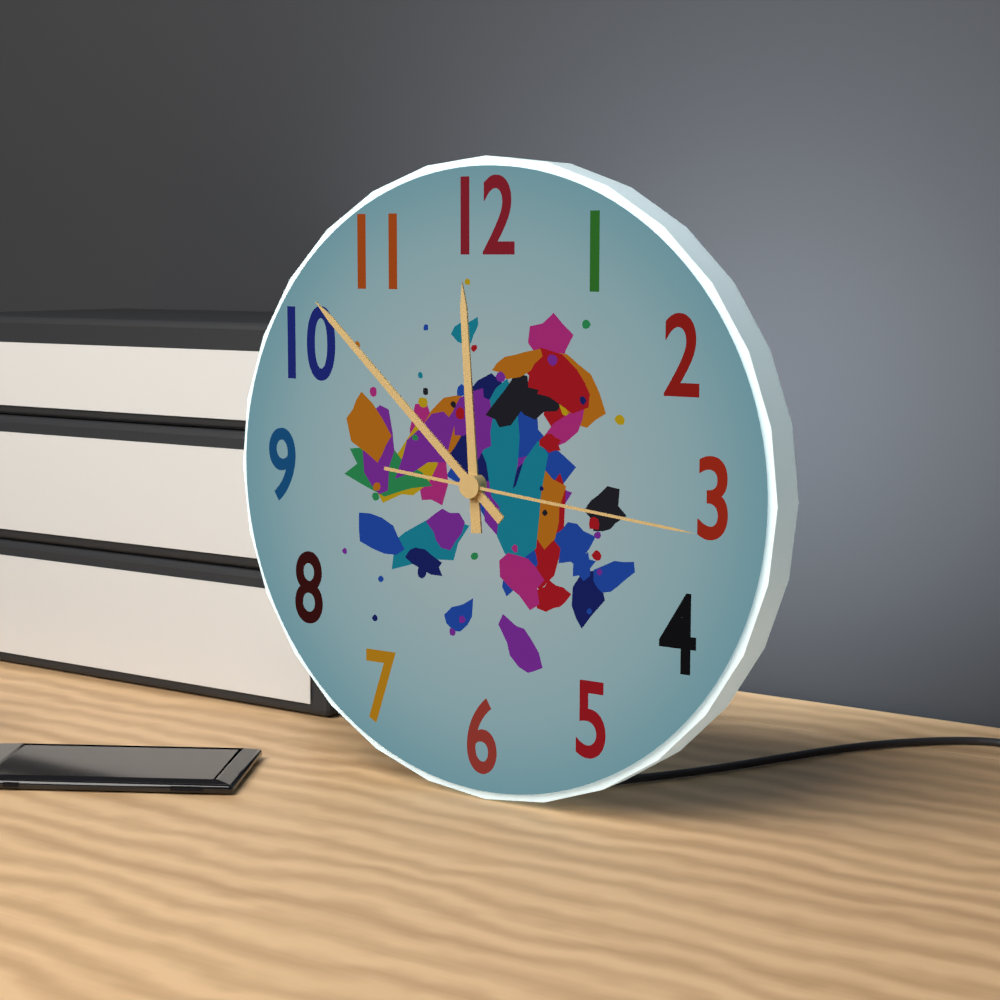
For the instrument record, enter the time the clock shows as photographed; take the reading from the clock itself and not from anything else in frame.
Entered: 11:52:16
